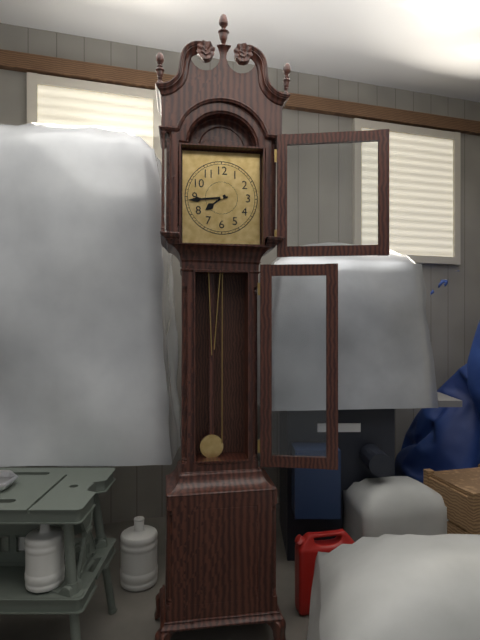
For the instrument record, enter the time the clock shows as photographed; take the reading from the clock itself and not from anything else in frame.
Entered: 7:44
